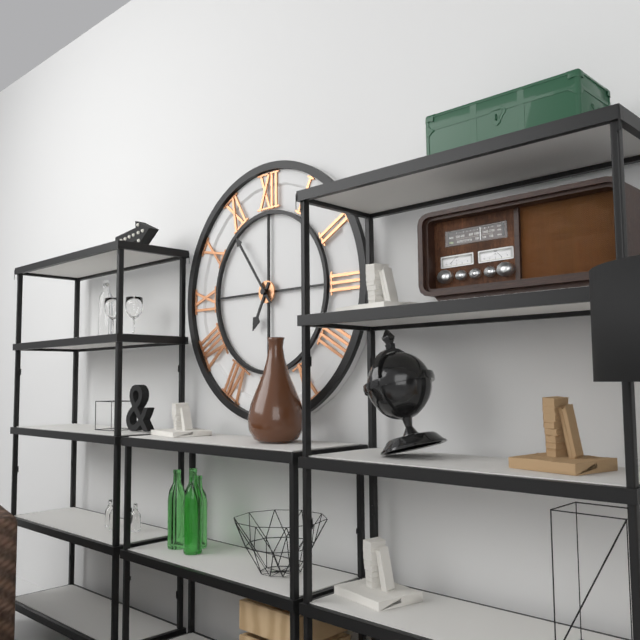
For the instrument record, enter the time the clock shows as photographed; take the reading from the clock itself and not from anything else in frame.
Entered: 6:54
